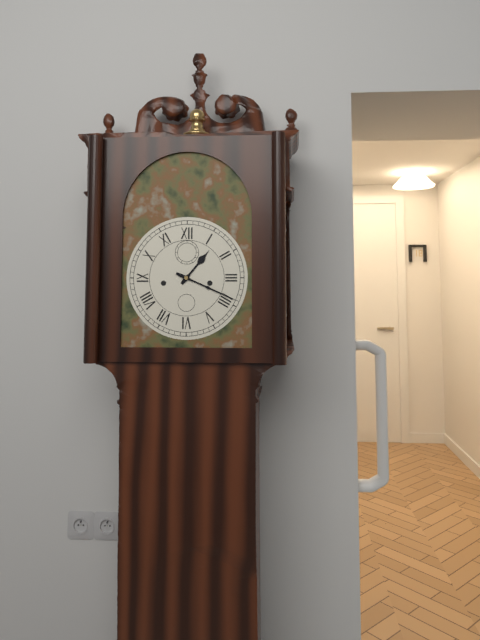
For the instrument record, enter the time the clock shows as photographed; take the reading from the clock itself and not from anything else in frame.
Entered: 1:19
